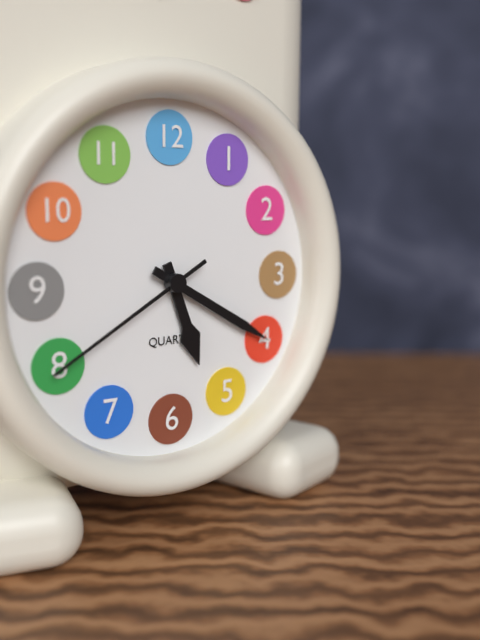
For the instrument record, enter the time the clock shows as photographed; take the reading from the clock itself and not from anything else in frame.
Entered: 5:20:40
